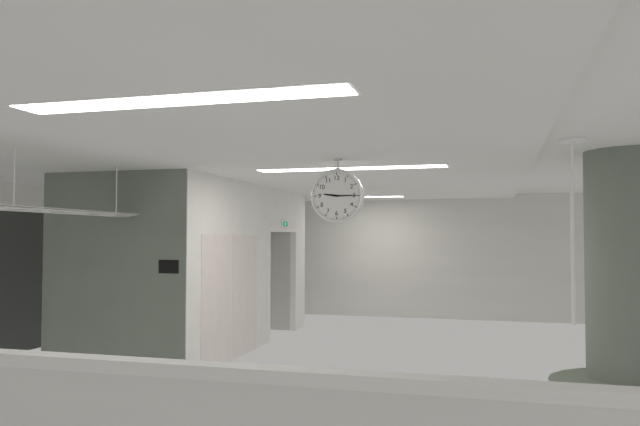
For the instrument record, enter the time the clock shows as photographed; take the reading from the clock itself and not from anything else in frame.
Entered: 9:15
